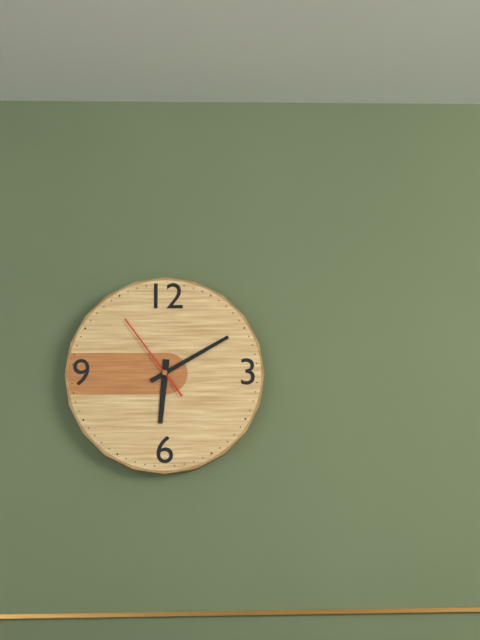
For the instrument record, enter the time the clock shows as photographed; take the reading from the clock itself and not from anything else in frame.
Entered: 6:10:54
